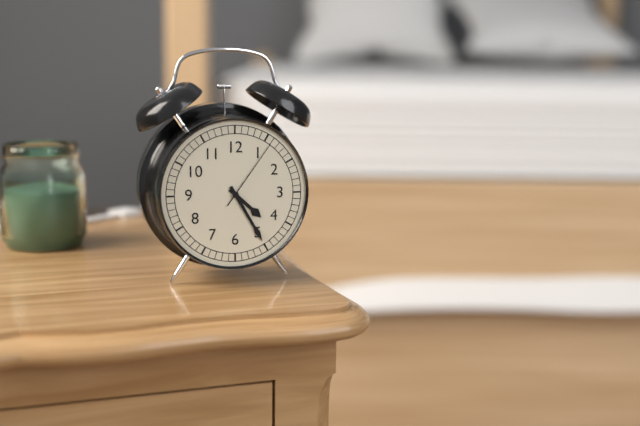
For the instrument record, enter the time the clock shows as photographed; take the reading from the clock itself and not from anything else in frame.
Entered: 4:25:06
